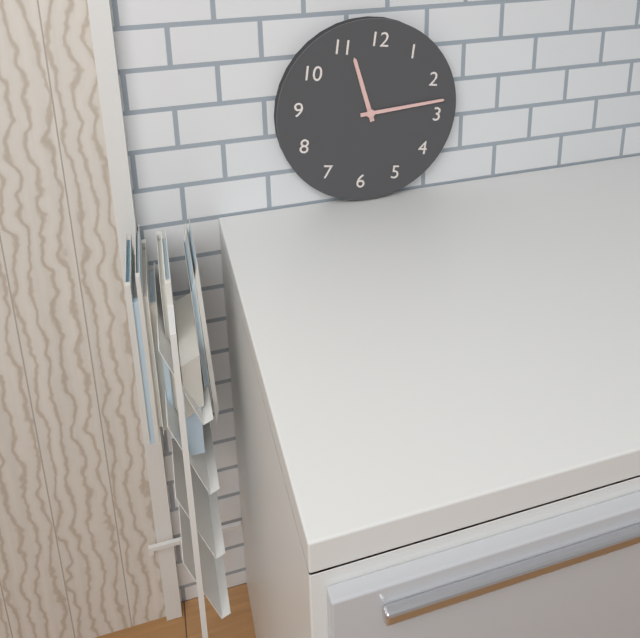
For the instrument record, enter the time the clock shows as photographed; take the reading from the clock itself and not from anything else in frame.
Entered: 11:13
